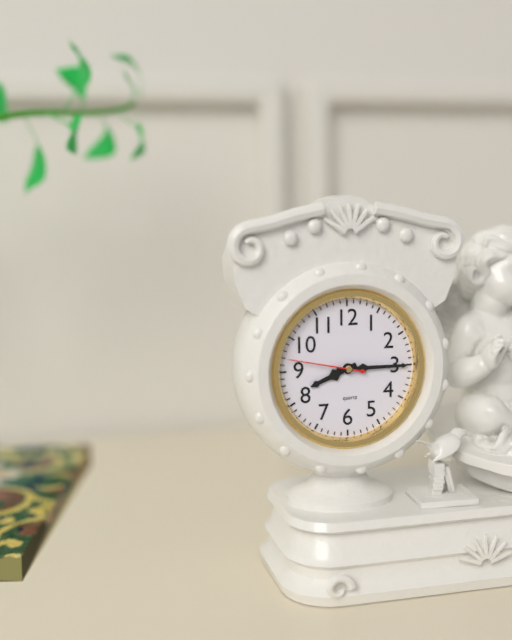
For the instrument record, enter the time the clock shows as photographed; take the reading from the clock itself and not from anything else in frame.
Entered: 8:15:47
